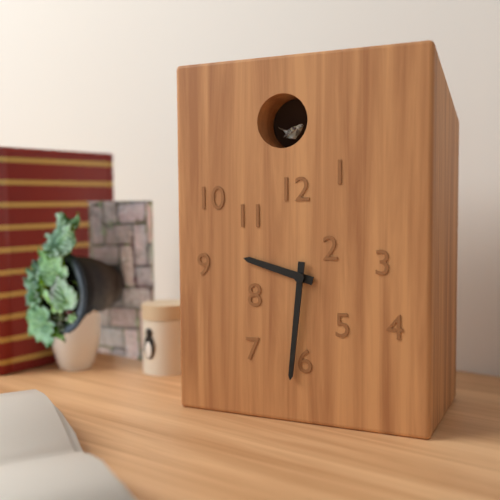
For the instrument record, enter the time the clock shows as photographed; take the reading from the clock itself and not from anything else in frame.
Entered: 9:31
